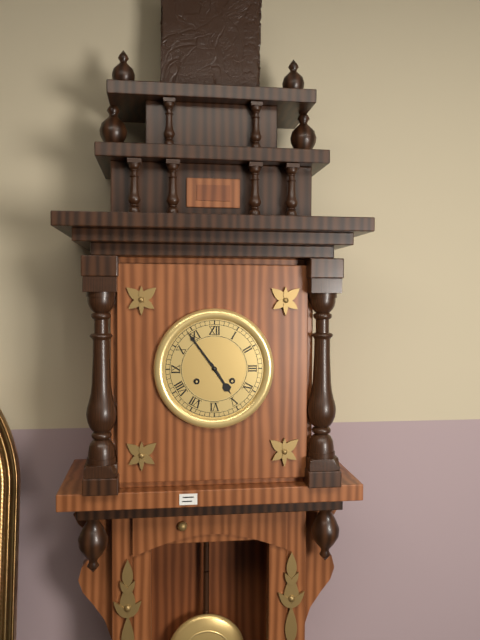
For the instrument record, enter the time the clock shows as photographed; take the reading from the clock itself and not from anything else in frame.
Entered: 4:54
